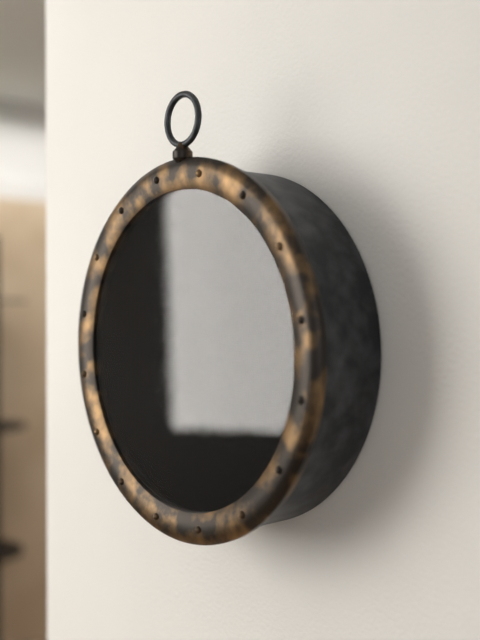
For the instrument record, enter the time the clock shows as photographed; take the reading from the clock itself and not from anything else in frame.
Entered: 8:51
